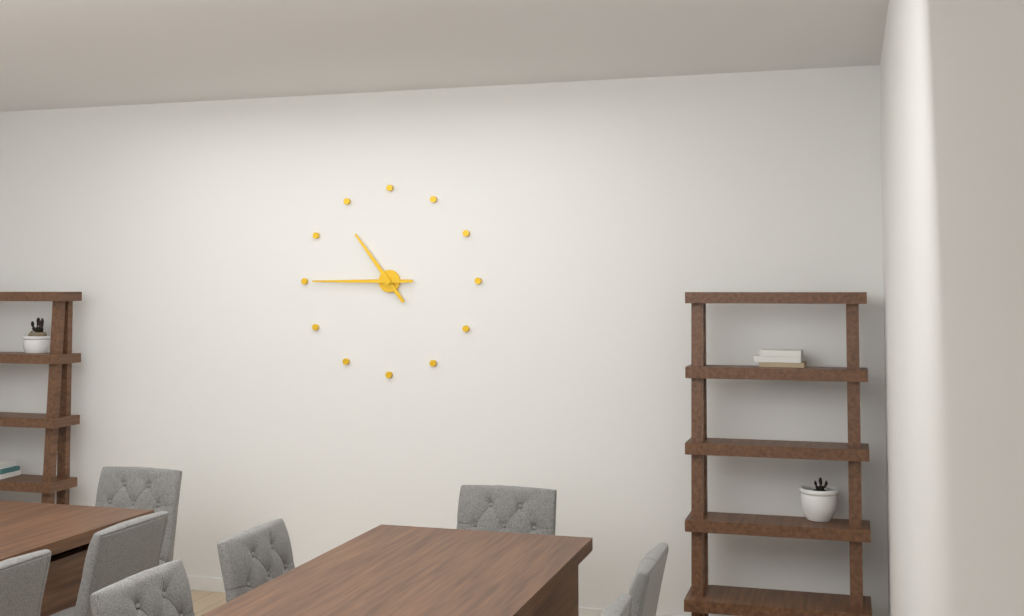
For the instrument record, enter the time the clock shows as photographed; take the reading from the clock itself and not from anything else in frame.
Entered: 10:45
